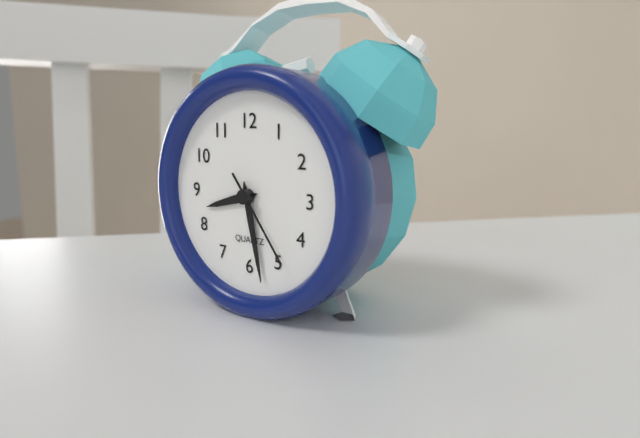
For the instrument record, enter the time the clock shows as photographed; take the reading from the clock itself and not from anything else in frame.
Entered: 8:28:24
